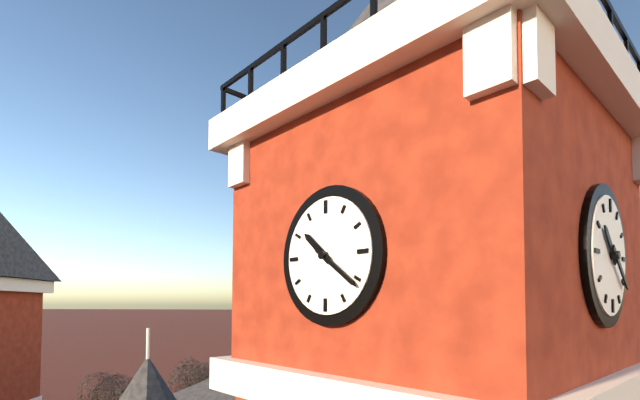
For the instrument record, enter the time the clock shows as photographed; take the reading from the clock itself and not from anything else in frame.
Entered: 10:21
